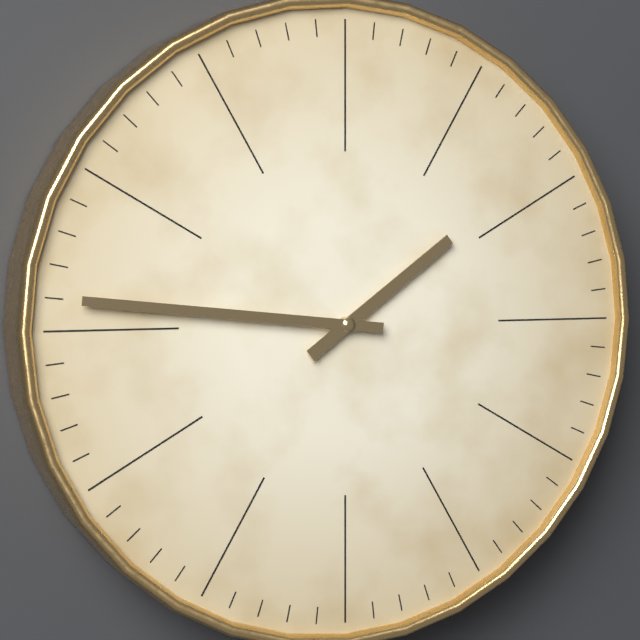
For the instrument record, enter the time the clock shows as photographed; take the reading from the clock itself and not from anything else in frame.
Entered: 1:46
